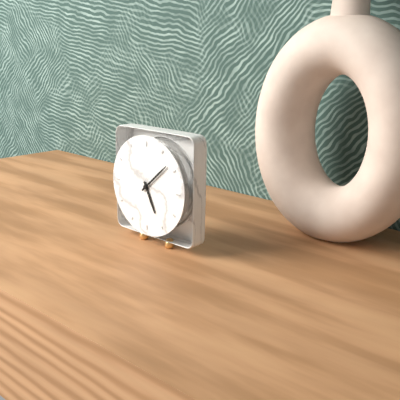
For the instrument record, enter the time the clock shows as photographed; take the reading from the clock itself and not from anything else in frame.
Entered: 5:08
